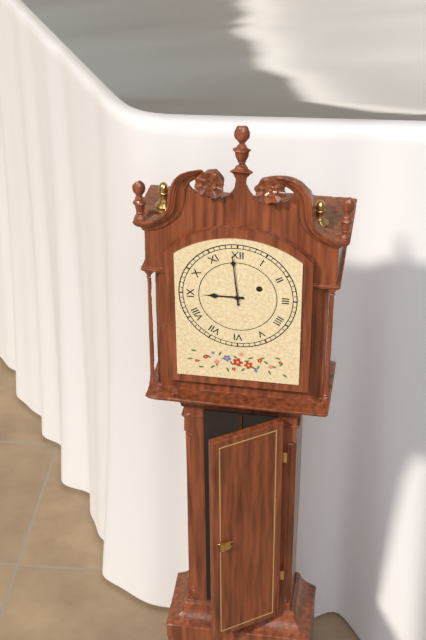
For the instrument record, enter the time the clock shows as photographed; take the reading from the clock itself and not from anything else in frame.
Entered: 8:59
